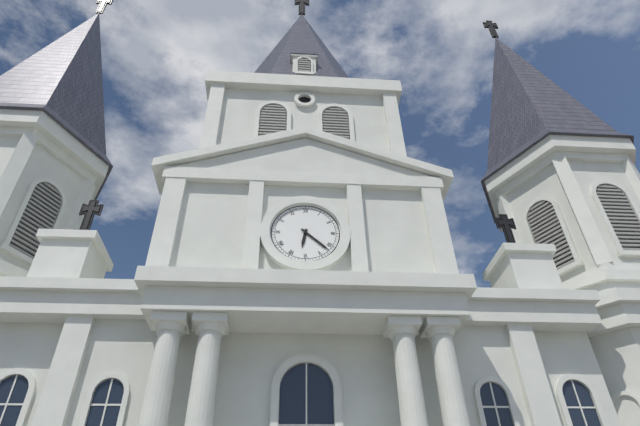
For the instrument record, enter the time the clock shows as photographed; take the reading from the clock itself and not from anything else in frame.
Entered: 6:22
